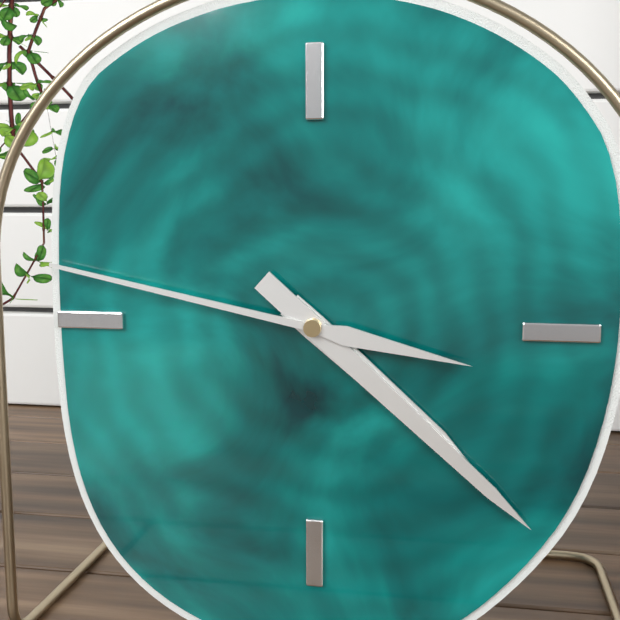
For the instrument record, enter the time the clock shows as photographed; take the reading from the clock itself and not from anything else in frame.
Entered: 4:22:47
